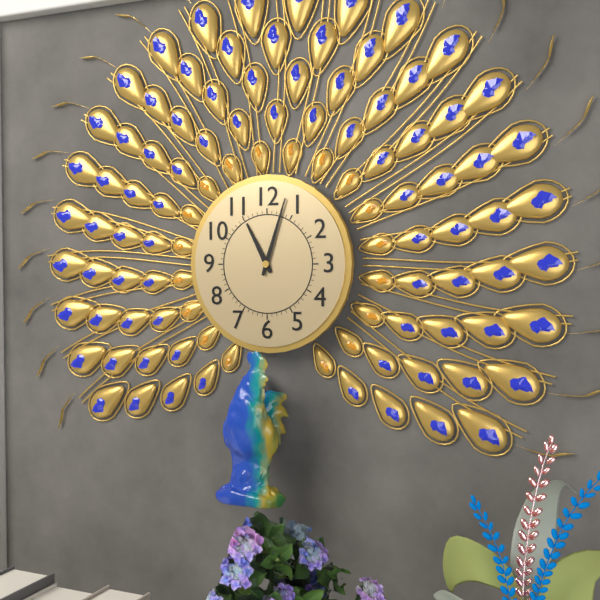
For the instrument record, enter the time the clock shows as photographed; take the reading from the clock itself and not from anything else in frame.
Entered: 11:03
